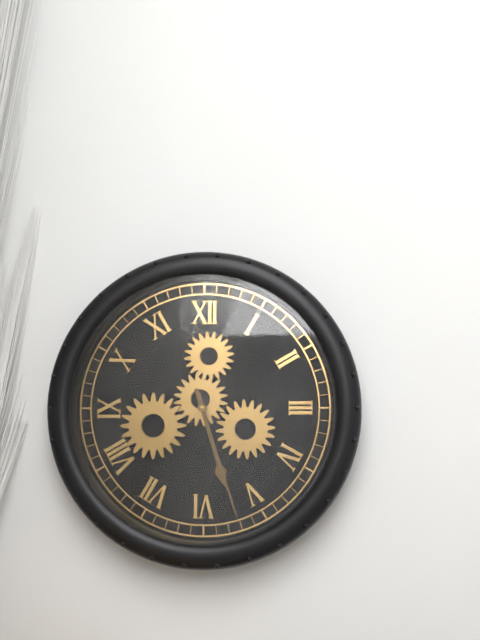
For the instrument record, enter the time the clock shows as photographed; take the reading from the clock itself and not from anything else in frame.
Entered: 5:27
